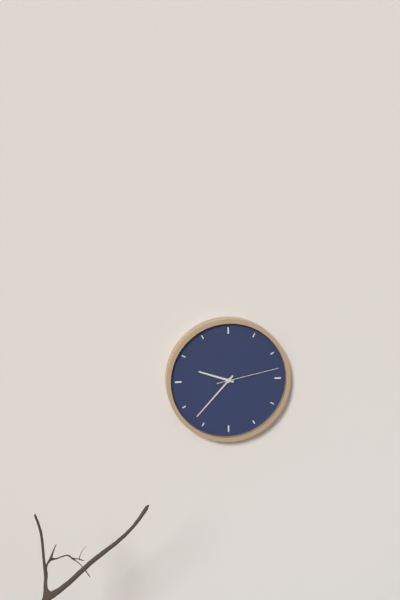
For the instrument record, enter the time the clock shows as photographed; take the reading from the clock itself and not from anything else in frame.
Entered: 9:37:13
